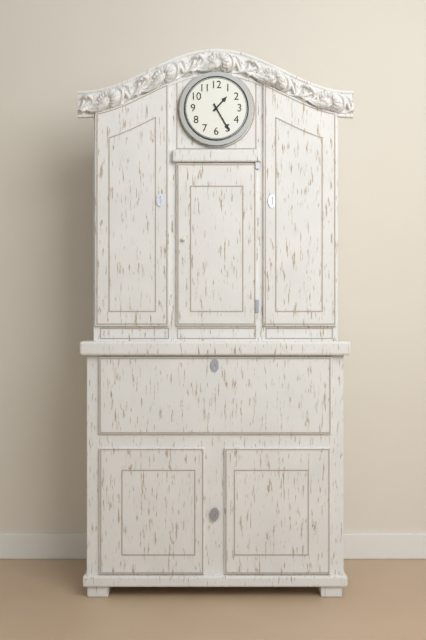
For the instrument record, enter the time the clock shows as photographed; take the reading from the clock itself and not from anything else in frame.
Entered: 1:25
